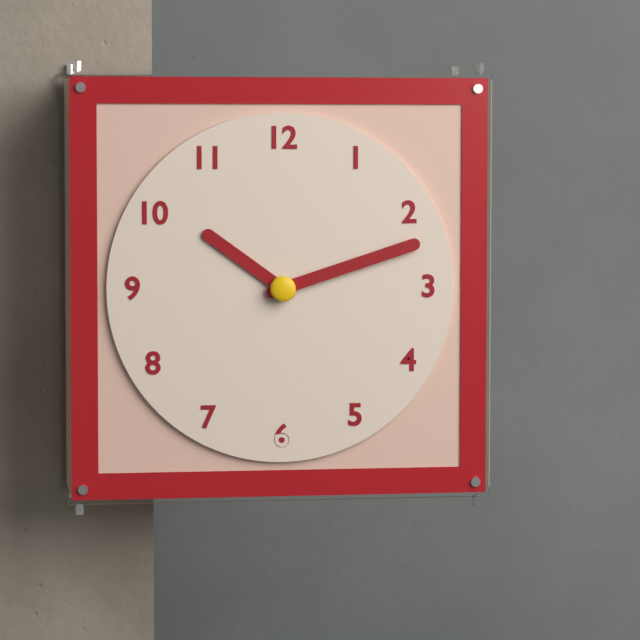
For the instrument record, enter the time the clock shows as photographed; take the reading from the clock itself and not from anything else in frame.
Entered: 10:12
